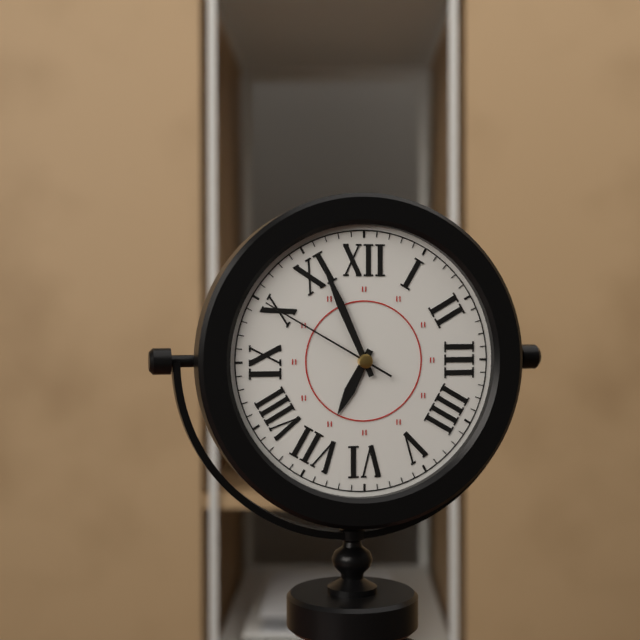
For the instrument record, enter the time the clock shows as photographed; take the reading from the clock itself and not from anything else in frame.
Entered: 6:56:50
